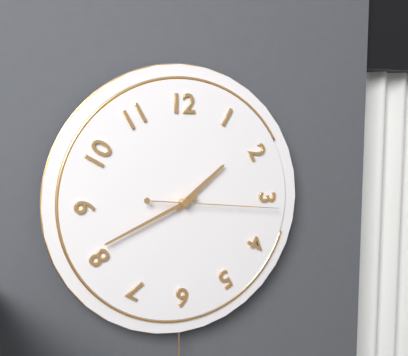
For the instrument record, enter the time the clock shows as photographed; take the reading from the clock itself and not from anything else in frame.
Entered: 1:41:16
